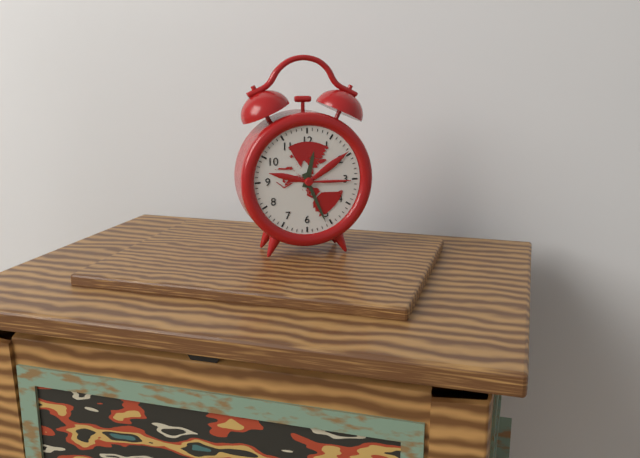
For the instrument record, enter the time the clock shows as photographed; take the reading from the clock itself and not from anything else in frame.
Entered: 12:26
